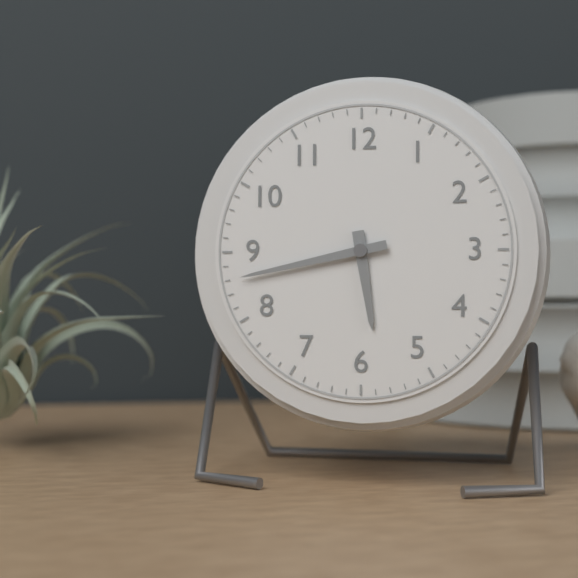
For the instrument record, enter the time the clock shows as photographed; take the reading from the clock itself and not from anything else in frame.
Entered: 5:43
